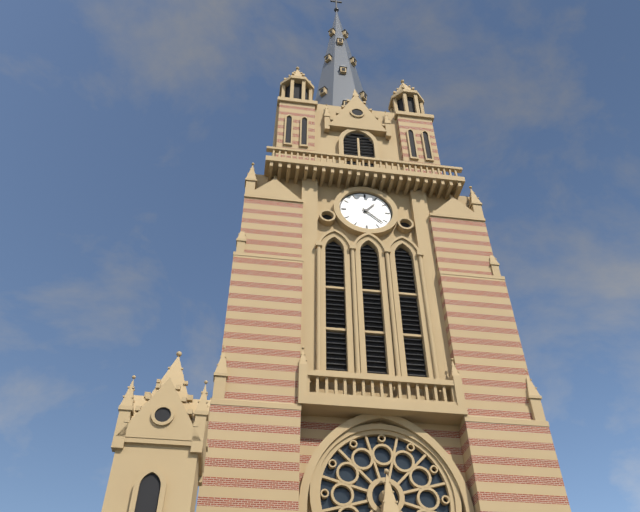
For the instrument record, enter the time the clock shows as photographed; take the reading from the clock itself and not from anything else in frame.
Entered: 1:22
